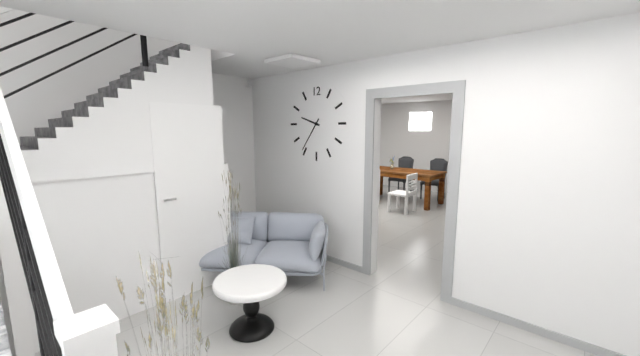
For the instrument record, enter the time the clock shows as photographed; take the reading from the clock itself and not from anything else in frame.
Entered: 9:36
